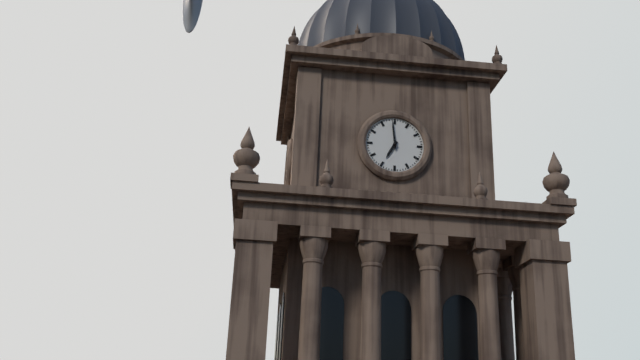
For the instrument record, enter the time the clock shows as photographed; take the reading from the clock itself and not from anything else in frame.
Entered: 6:59
